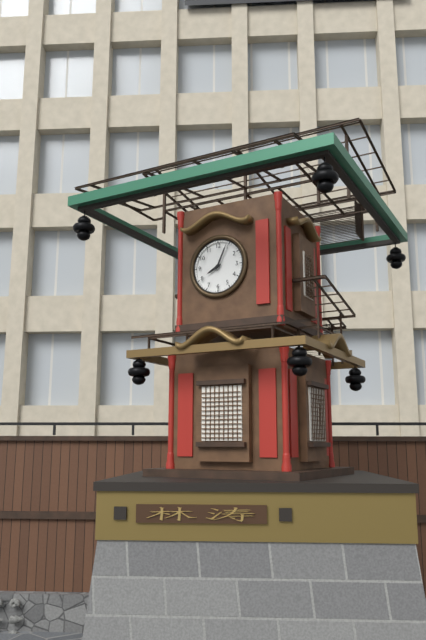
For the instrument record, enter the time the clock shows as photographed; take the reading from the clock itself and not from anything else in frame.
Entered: 8:04
